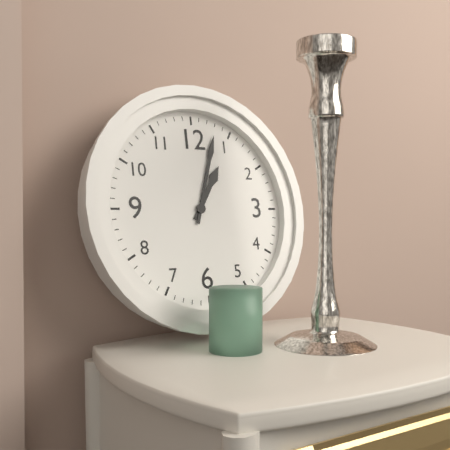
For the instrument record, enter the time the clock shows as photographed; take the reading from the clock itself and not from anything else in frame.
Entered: 1:03
